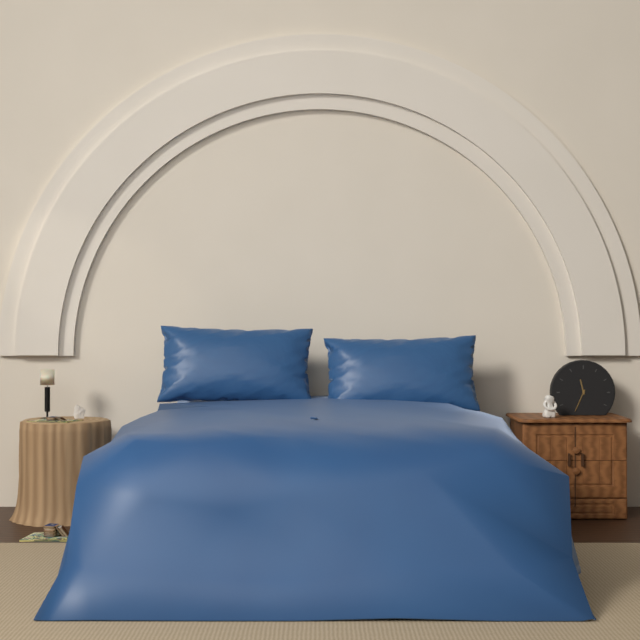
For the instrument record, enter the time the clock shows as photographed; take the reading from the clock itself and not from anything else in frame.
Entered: 11:34
